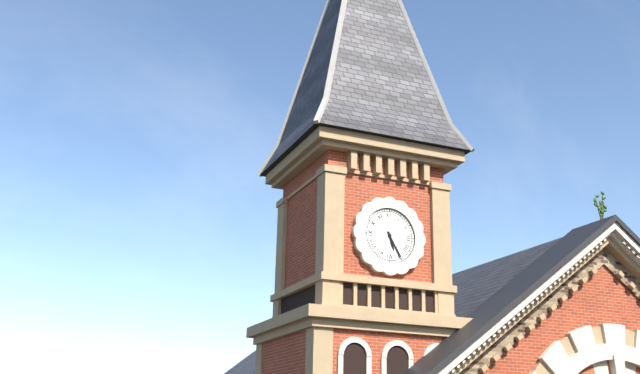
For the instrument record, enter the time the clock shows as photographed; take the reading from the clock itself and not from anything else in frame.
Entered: 5:25
